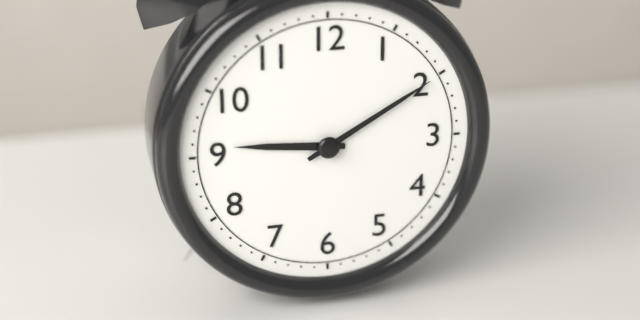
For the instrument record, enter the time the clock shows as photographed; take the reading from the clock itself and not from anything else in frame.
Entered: 9:10
